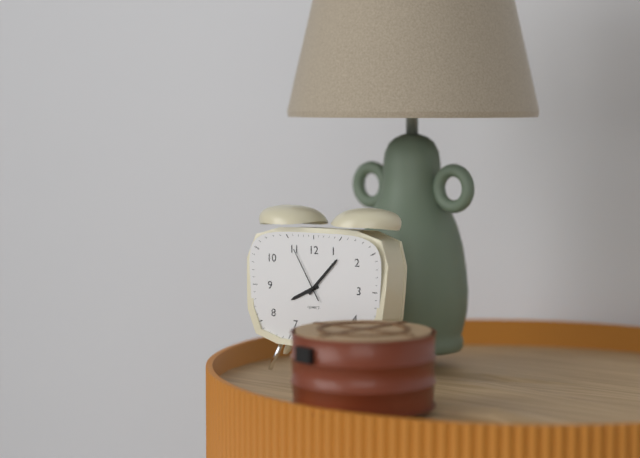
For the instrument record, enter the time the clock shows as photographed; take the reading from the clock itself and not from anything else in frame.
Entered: 8:07:55
